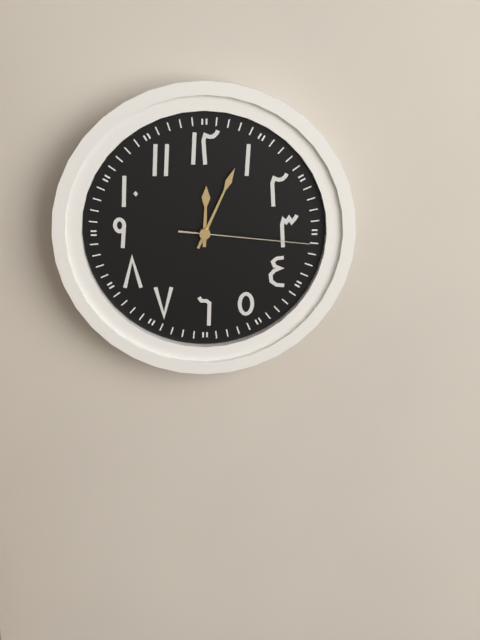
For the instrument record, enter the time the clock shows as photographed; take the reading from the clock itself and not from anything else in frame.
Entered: 12:04:16
